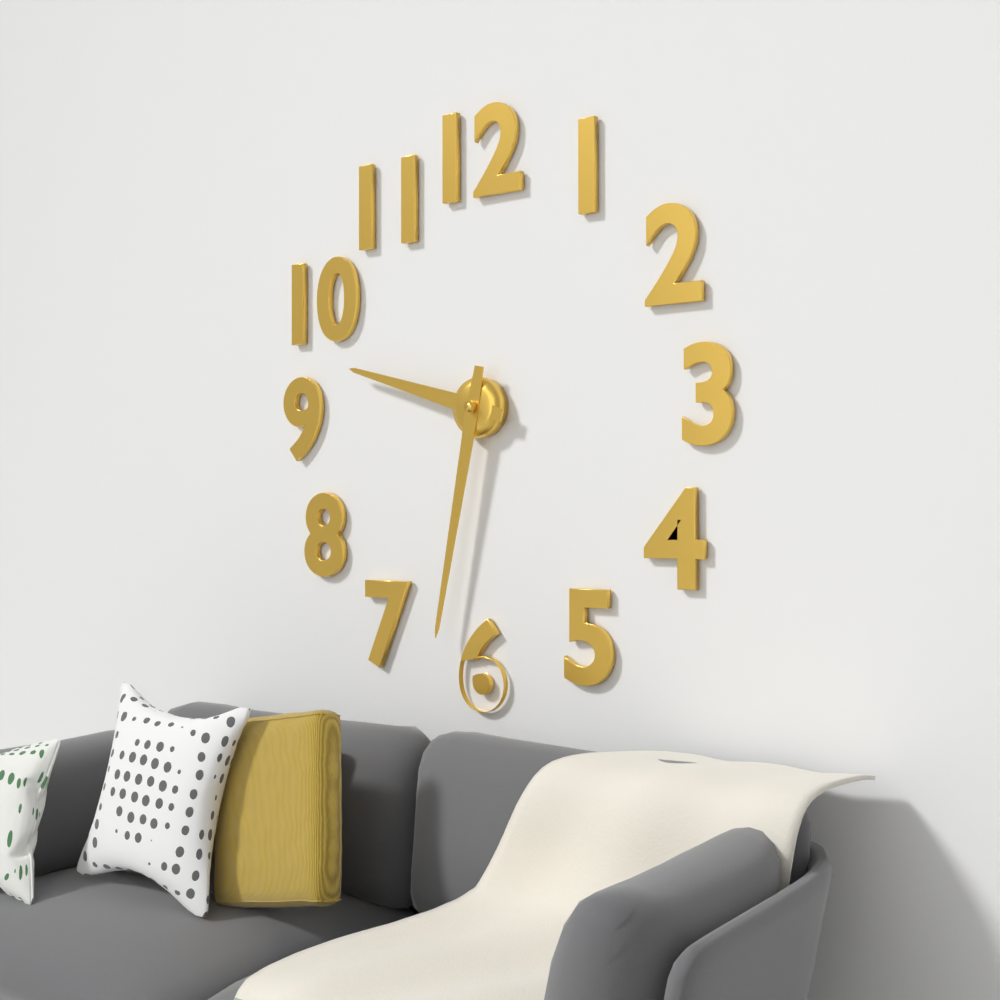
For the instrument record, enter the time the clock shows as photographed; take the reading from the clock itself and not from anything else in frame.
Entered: 9:32
